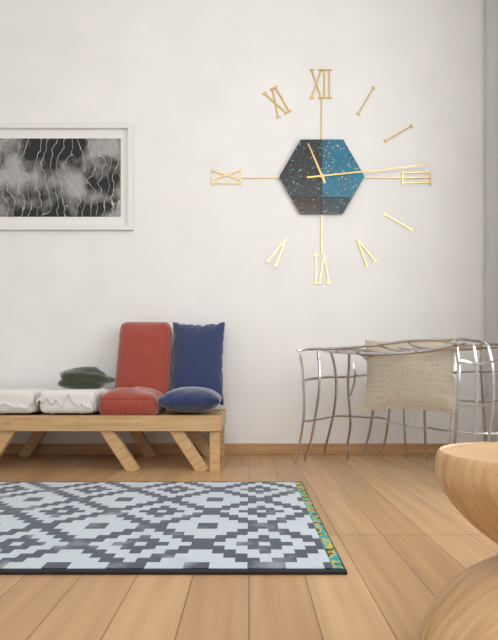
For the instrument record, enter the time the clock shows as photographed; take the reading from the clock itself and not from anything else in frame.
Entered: 11:14
